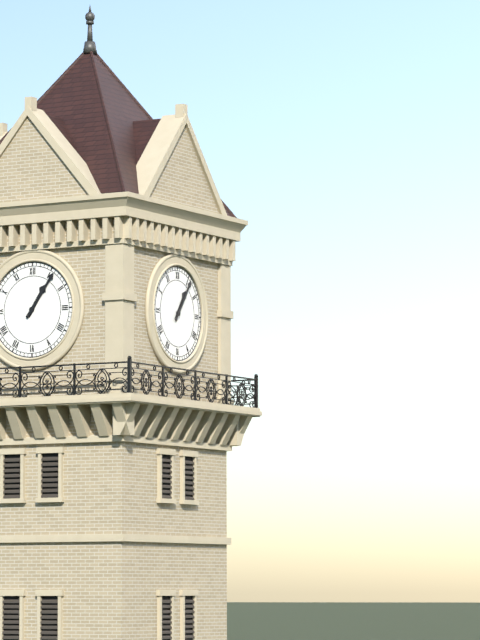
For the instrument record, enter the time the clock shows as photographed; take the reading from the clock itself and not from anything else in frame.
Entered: 1:06
